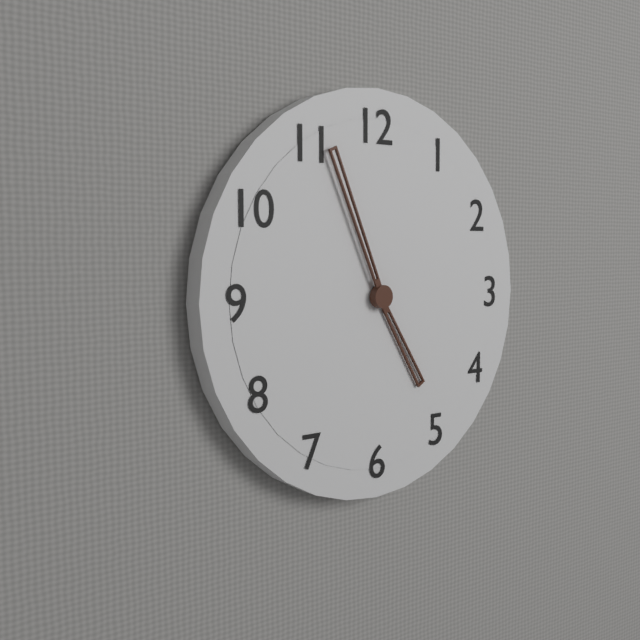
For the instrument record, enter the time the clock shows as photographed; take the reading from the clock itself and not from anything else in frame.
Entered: 4:56
